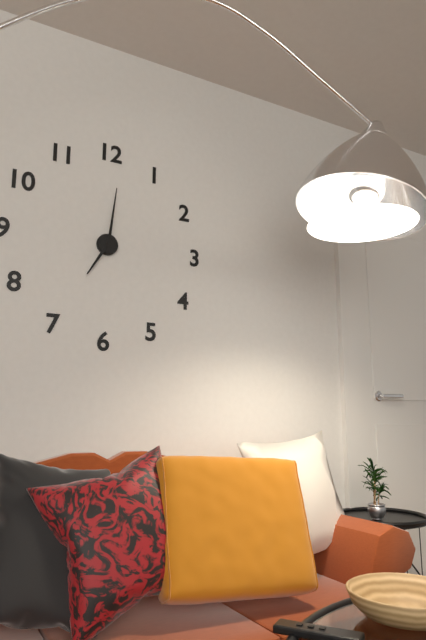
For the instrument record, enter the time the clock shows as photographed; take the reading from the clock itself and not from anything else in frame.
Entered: 7:01
